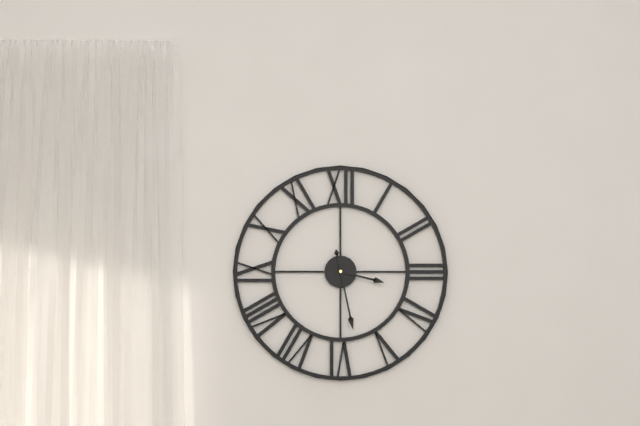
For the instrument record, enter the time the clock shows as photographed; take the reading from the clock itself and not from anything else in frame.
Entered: 3:28
